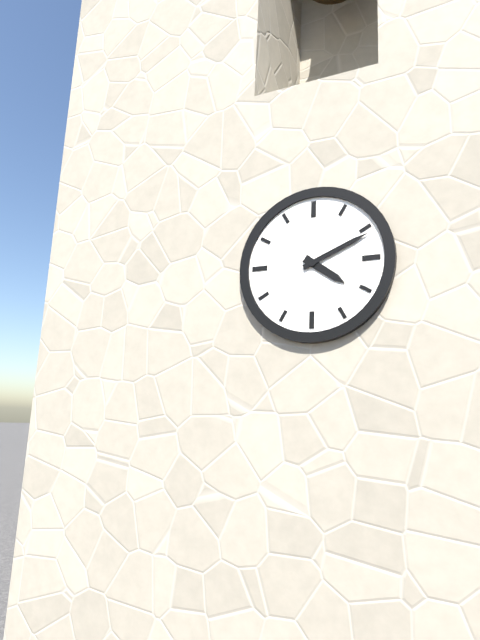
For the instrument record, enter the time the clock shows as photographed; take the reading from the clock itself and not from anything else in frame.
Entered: 4:11
